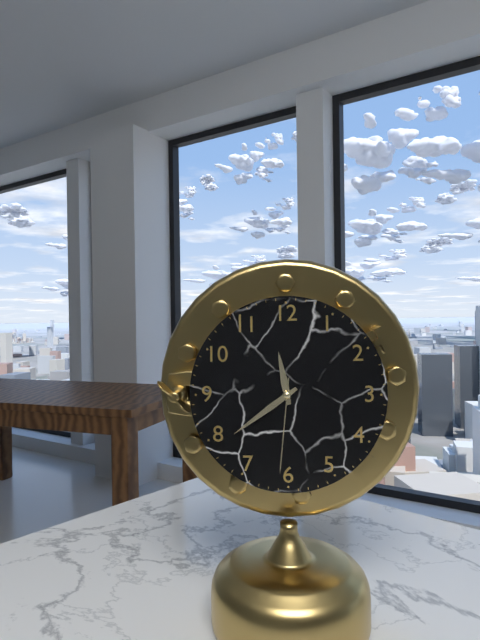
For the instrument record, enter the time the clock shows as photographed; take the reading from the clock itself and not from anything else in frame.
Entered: 11:39:31
